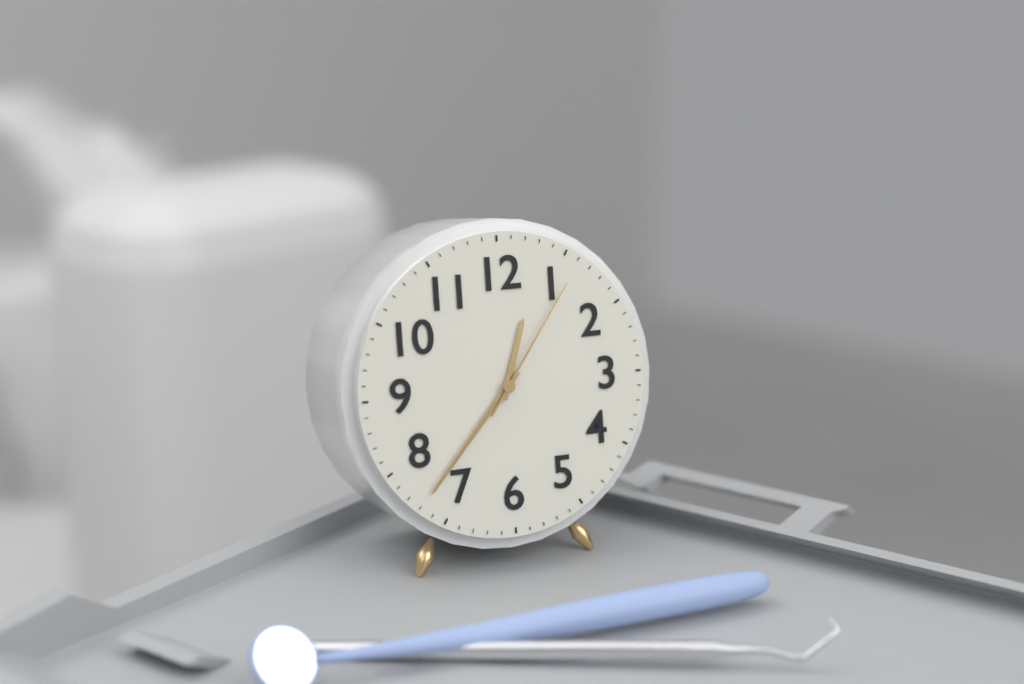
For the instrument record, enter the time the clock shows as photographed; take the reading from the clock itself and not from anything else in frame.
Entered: 12:37:06
